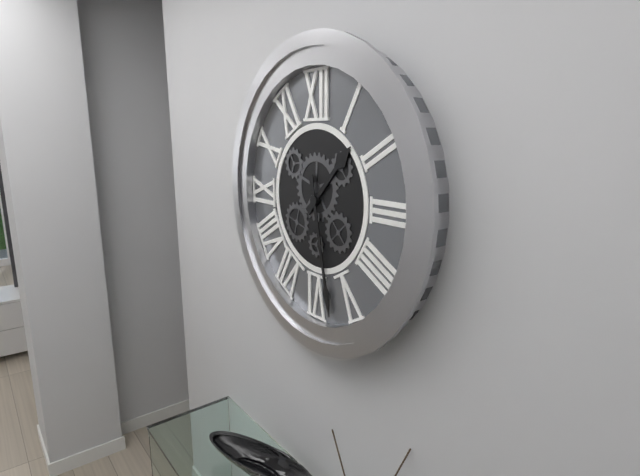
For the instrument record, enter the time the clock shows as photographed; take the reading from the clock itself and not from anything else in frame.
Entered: 1:28
